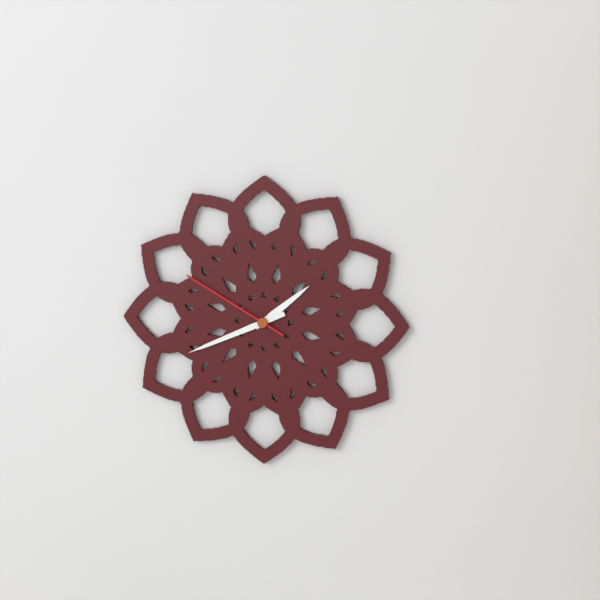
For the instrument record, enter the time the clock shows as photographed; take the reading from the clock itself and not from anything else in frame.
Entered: 1:41:50
